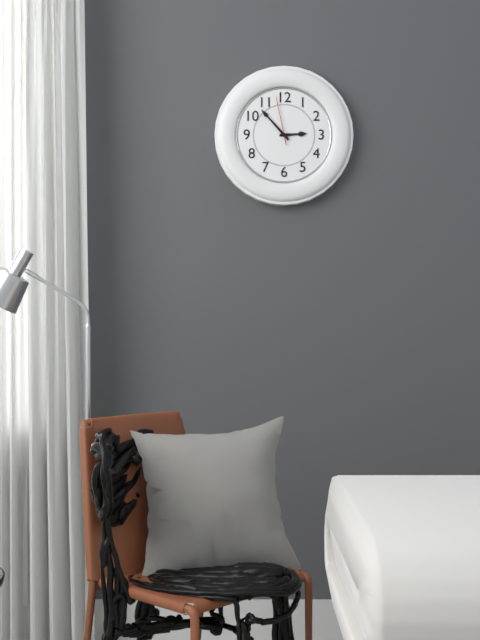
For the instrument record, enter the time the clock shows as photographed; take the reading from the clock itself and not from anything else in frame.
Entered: 2:53
